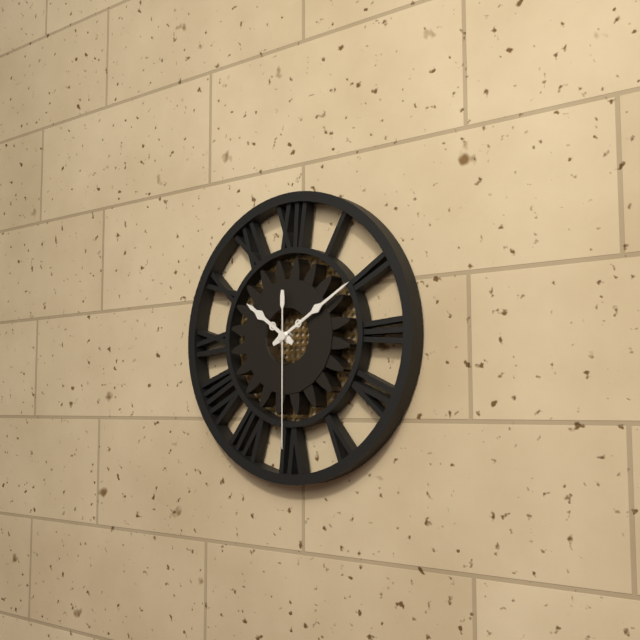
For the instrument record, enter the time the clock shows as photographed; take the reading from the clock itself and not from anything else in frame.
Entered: 10:10:30
